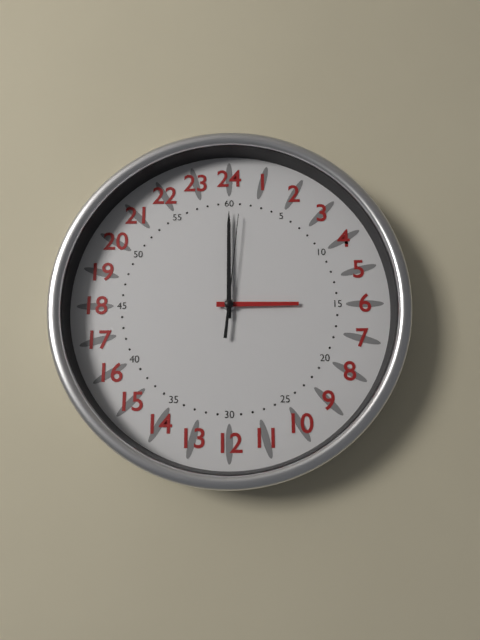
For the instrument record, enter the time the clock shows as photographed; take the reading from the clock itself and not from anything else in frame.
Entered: 3:00:01
